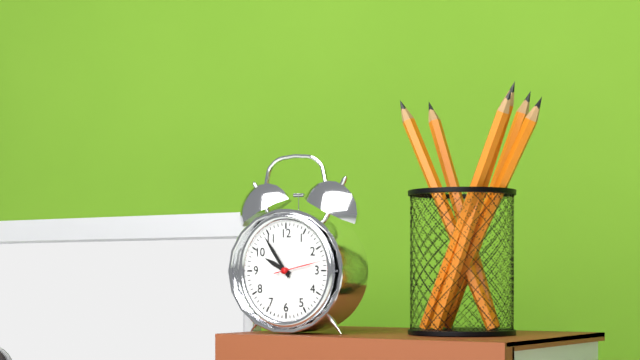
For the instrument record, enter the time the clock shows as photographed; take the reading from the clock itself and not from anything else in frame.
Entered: 9:54
